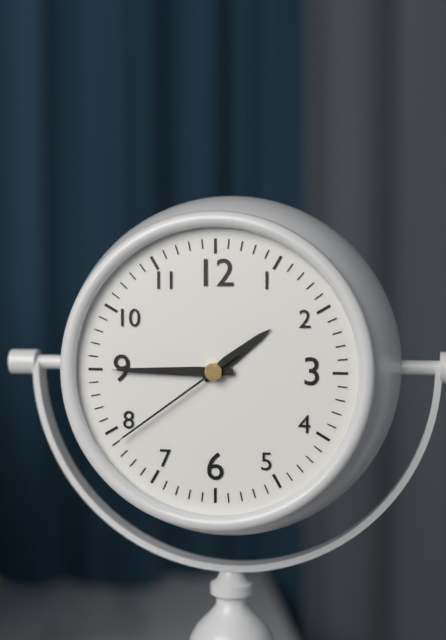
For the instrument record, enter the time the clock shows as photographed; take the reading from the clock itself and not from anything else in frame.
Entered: 1:45:39
